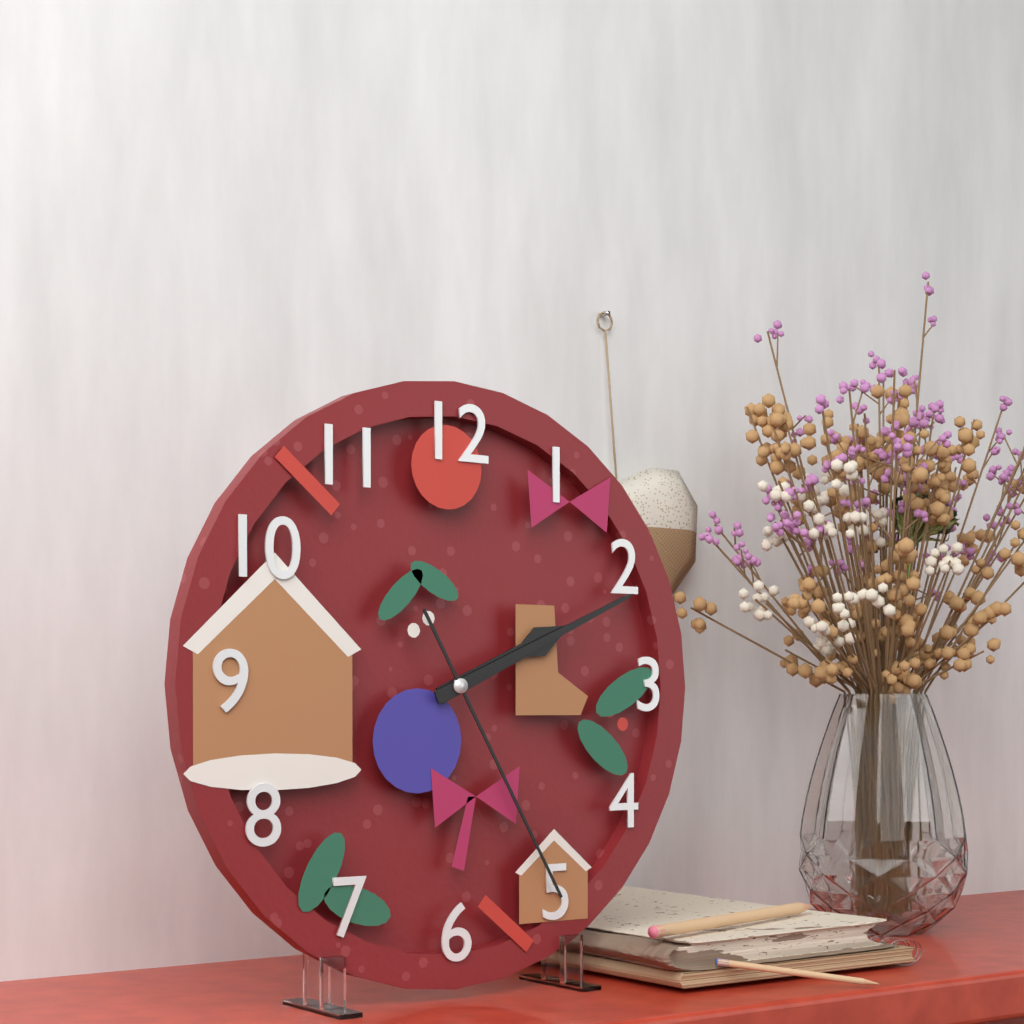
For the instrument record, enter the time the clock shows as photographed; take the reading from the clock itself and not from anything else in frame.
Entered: 2:11:25
